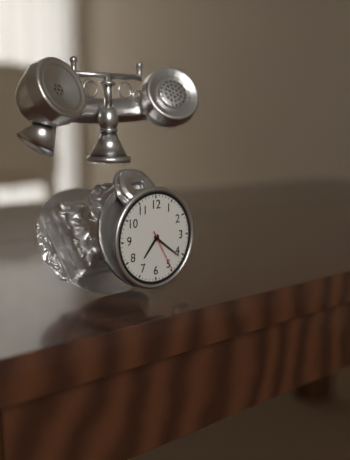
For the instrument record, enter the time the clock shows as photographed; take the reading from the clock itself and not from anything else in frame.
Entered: 7:21
